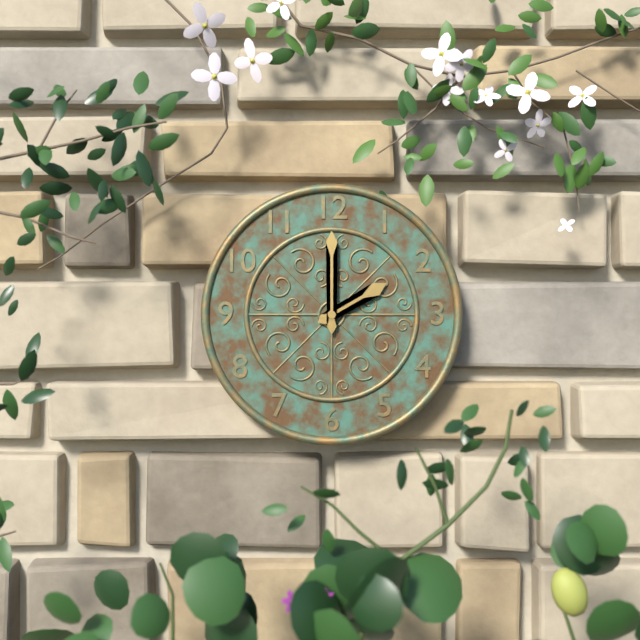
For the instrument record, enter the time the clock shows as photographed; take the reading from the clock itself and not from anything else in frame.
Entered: 2:00
